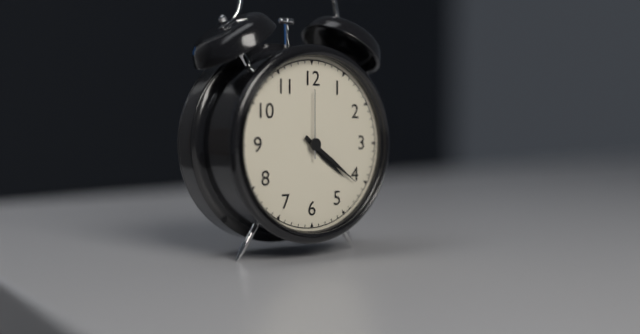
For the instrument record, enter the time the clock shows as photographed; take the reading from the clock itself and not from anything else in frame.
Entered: 4:21:00
